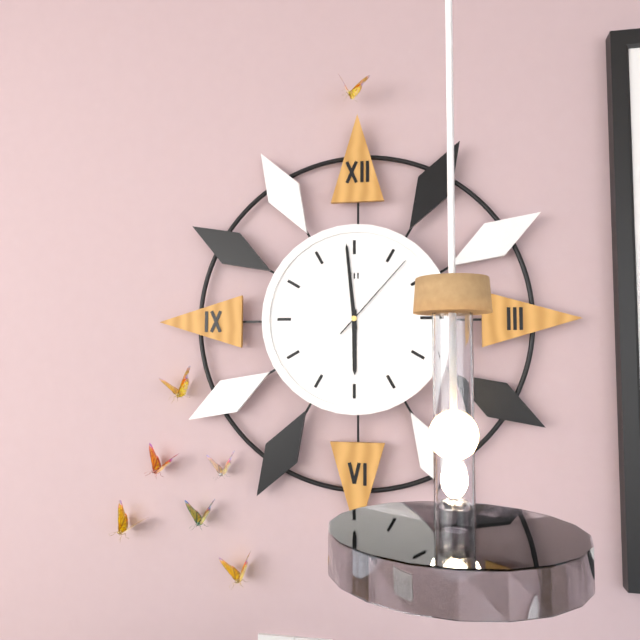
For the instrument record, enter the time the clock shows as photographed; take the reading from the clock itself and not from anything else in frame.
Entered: 5:59:07
